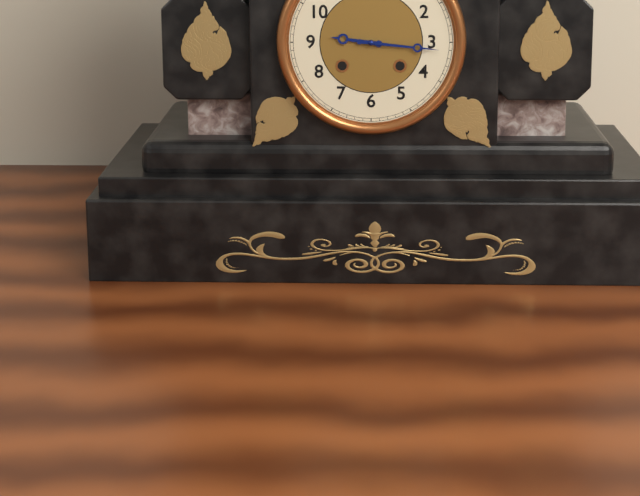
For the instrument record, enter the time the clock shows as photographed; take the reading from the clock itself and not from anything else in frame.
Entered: 9:16
